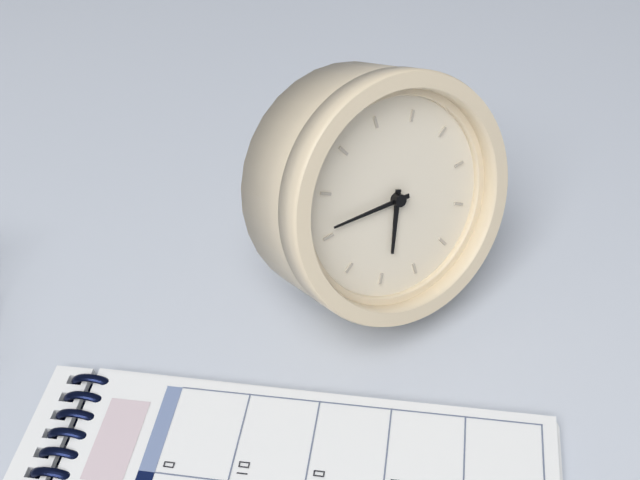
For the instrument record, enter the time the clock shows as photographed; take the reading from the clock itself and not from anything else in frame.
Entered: 6:46
